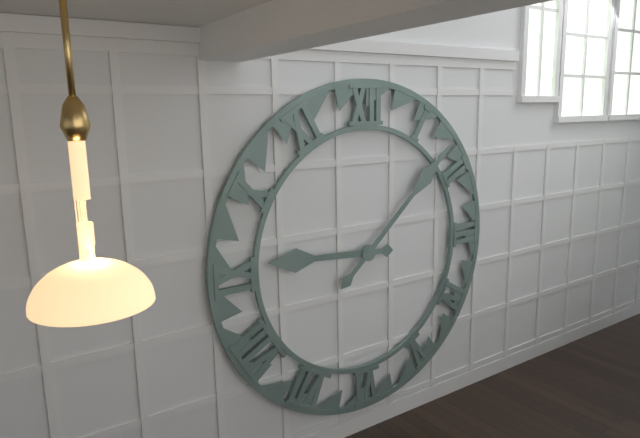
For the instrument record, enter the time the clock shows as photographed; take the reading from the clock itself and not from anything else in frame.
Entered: 9:08
